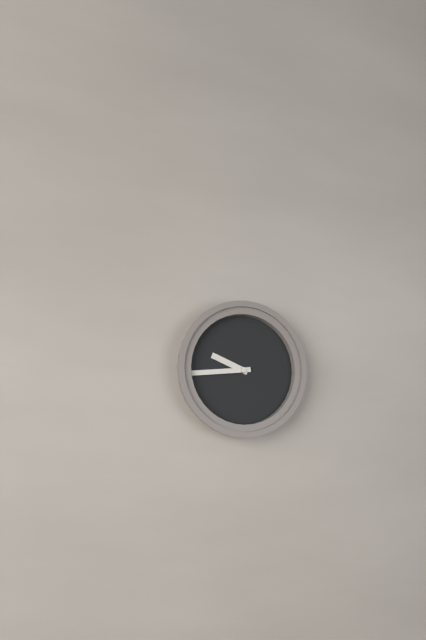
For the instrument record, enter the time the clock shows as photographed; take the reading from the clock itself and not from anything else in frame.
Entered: 9:44
